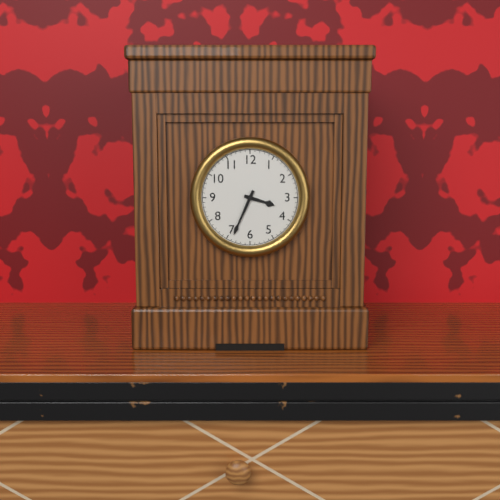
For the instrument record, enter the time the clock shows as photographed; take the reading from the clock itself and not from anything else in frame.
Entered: 3:34
